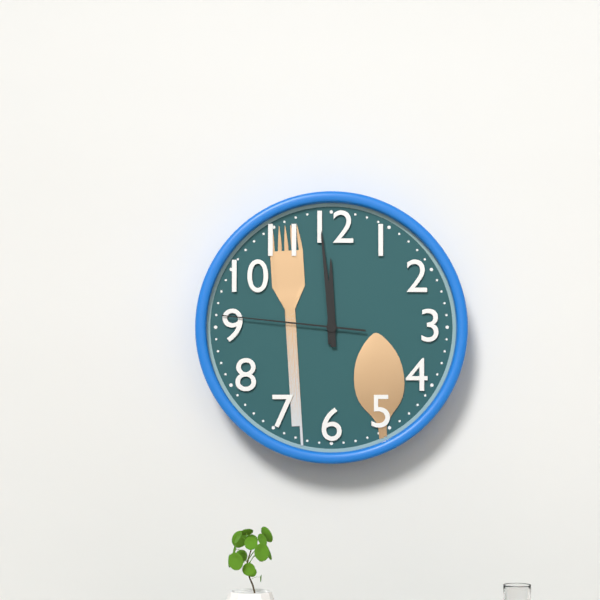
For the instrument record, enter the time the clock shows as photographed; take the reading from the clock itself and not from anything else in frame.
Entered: 11:59:46
